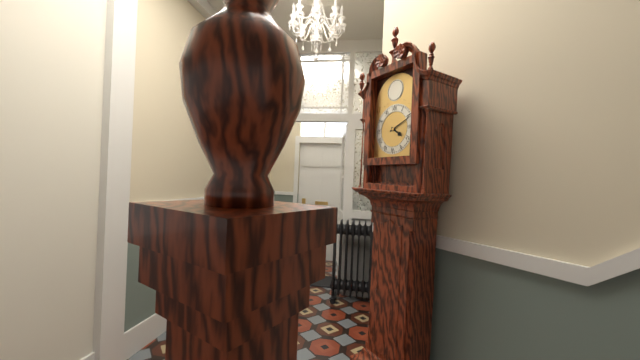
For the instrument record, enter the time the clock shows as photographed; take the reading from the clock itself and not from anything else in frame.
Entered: 4:11
